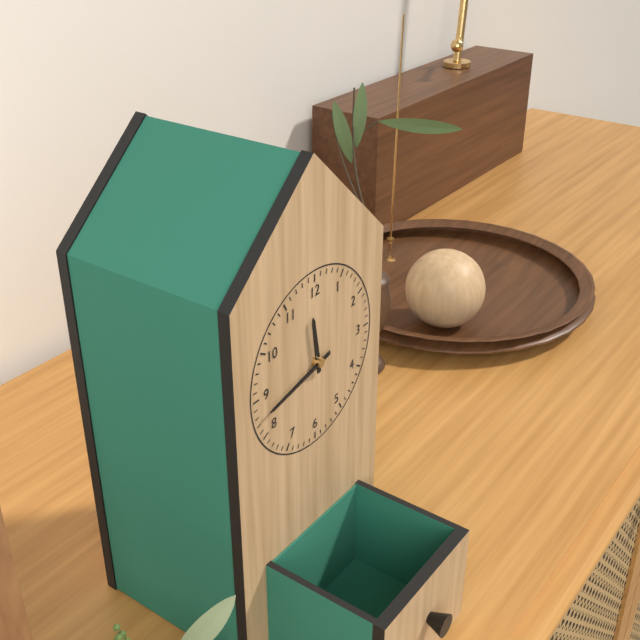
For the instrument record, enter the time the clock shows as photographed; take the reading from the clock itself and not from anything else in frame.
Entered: 11:43
